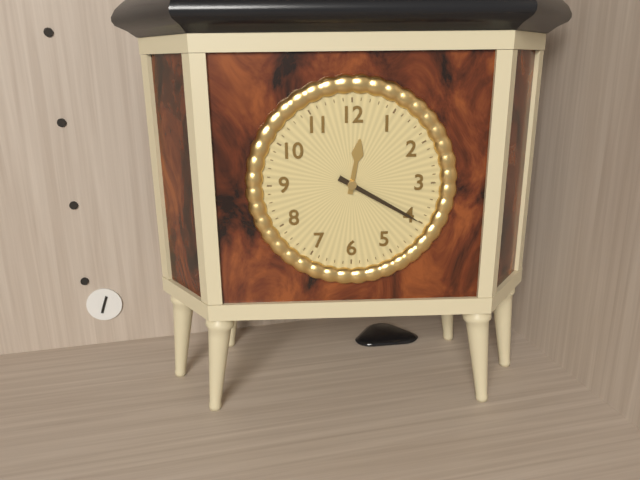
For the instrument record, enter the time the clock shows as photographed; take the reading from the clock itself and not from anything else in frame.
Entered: 12:20
